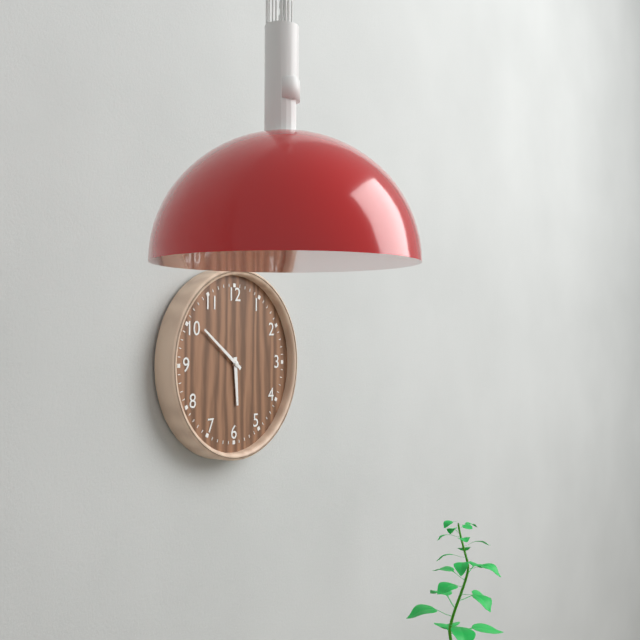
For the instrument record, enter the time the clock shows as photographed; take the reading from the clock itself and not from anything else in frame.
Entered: 5:51
